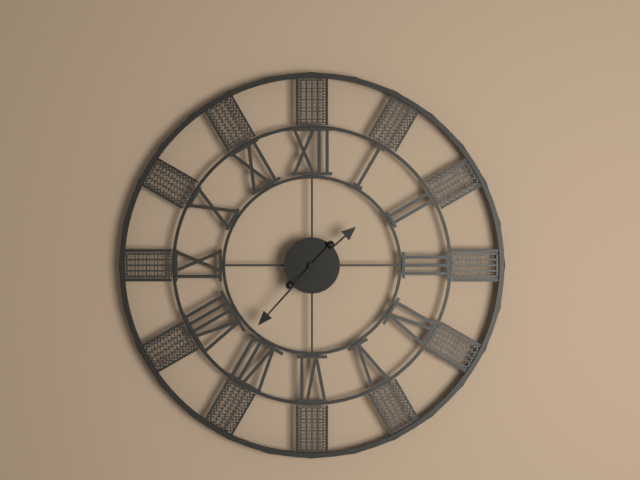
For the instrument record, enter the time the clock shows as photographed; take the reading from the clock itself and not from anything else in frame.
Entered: 1:37
